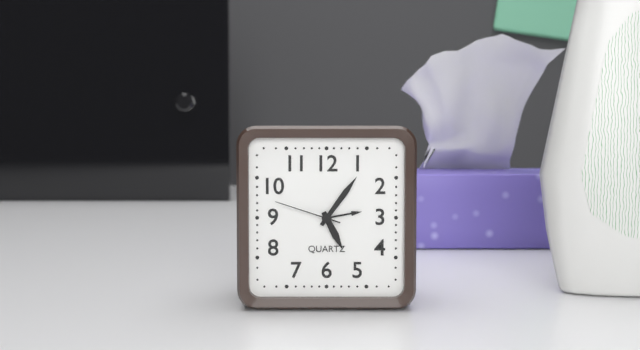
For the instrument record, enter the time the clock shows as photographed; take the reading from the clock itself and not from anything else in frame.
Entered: 5:06:48
